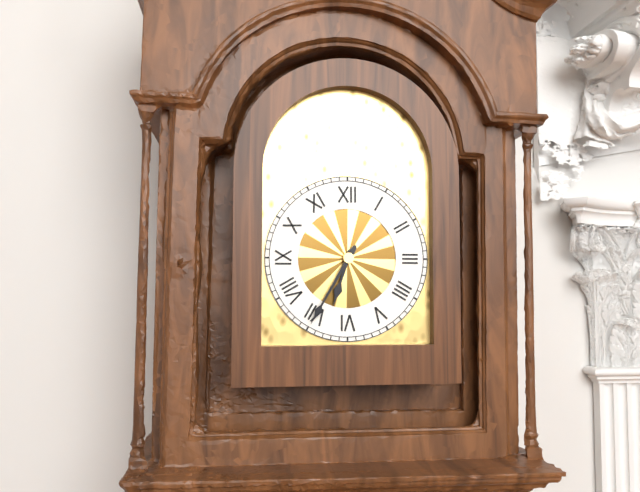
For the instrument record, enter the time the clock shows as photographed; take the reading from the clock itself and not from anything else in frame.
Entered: 6:35
